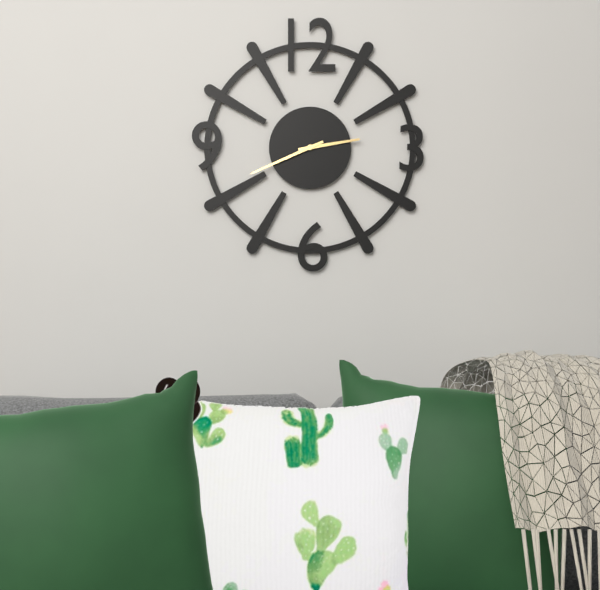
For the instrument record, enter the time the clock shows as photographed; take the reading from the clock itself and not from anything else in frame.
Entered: 2:41
